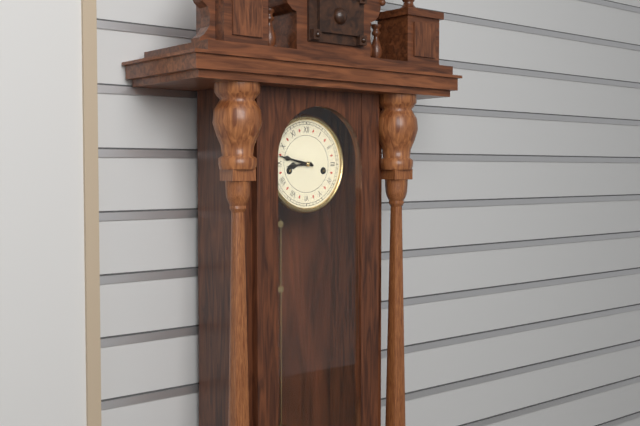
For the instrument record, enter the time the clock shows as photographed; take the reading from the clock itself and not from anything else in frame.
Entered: 8:47
